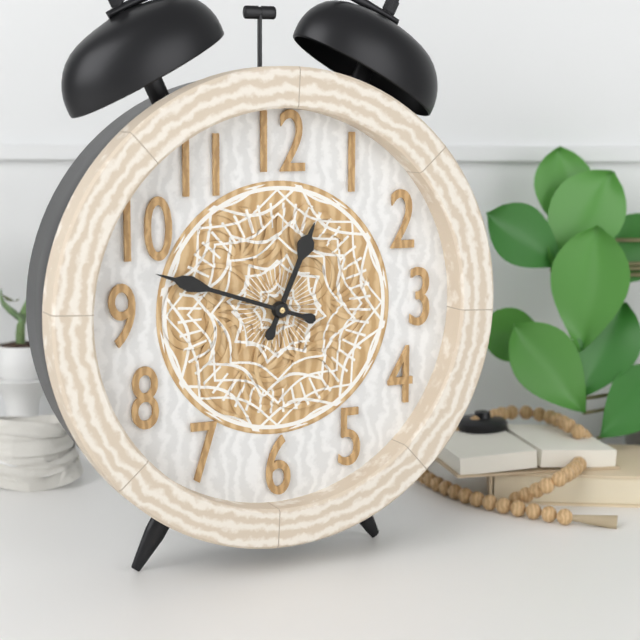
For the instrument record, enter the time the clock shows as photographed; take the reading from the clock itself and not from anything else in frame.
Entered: 12:48
